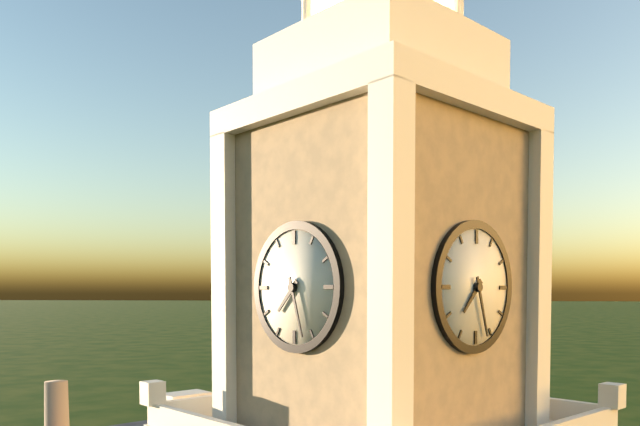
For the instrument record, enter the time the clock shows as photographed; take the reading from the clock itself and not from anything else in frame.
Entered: 7:27
